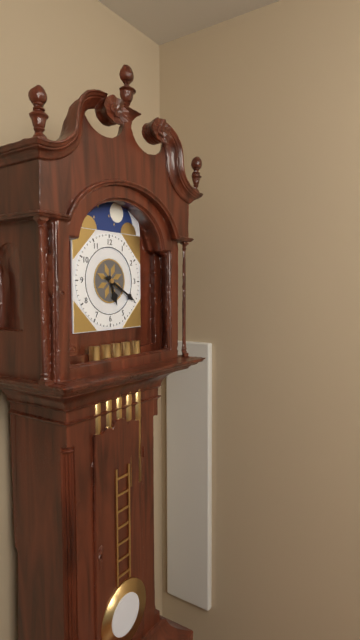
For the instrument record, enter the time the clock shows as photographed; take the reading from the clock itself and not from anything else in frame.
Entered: 5:20
